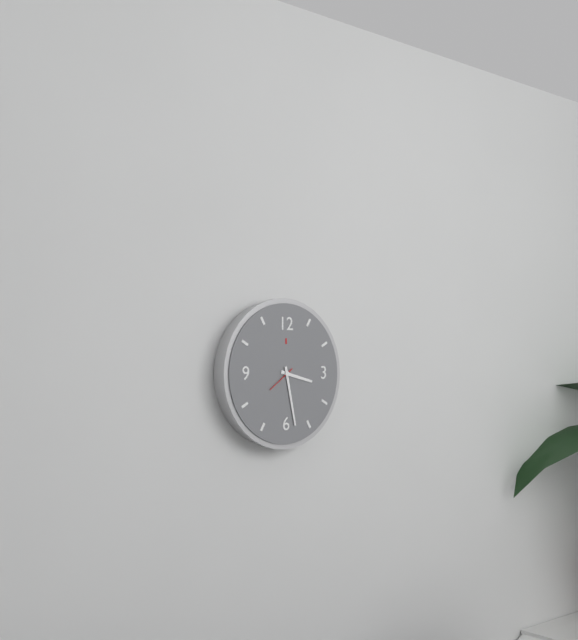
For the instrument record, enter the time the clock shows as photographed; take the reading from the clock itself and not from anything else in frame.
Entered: 3:28
